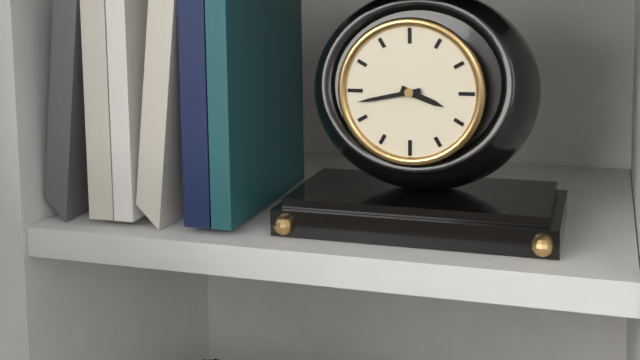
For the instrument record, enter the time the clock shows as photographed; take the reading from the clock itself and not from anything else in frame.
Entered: 3:43
